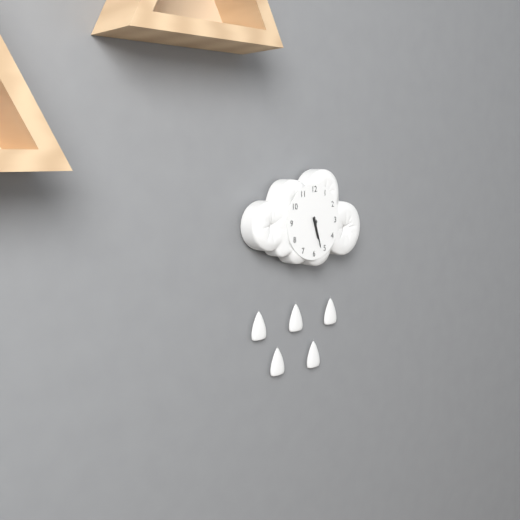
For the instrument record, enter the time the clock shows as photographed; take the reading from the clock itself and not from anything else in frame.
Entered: 5:27
